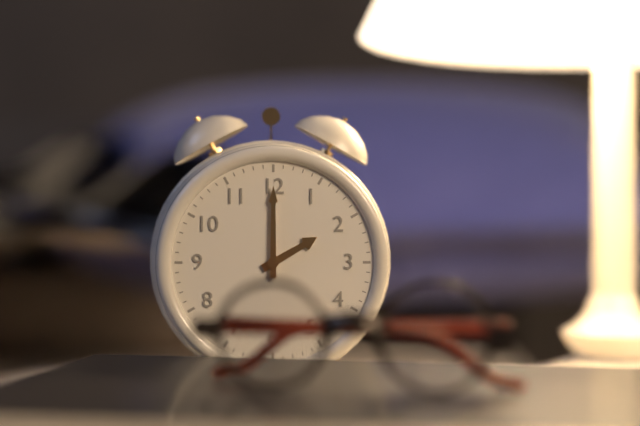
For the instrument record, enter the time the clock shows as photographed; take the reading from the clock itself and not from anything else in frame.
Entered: 2:00
